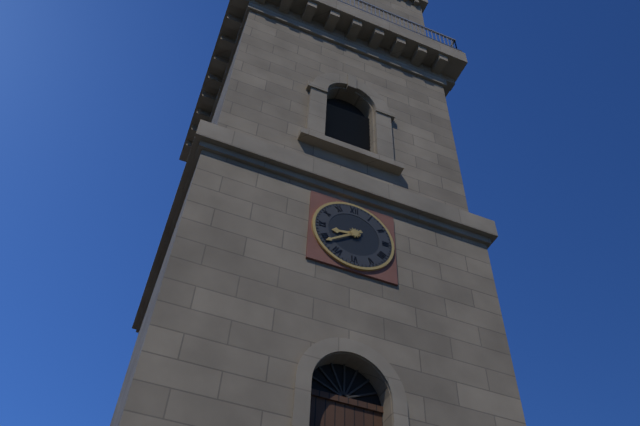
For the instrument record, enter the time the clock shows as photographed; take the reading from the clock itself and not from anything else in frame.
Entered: 8:39
